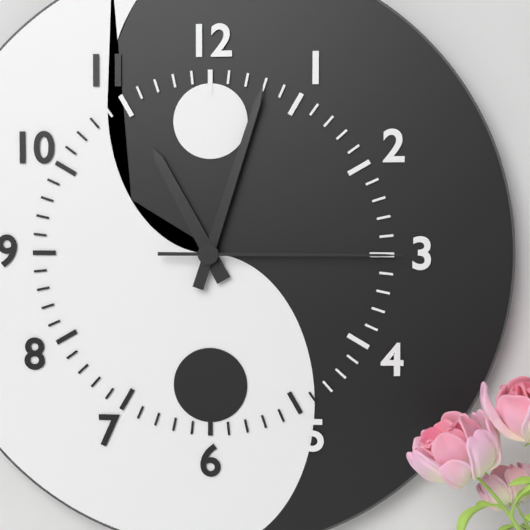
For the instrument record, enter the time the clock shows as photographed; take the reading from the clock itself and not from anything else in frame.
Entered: 11:03:15
